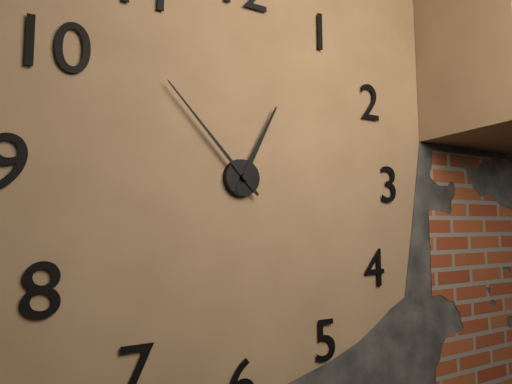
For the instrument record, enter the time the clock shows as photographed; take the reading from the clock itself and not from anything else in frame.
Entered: 12:53
